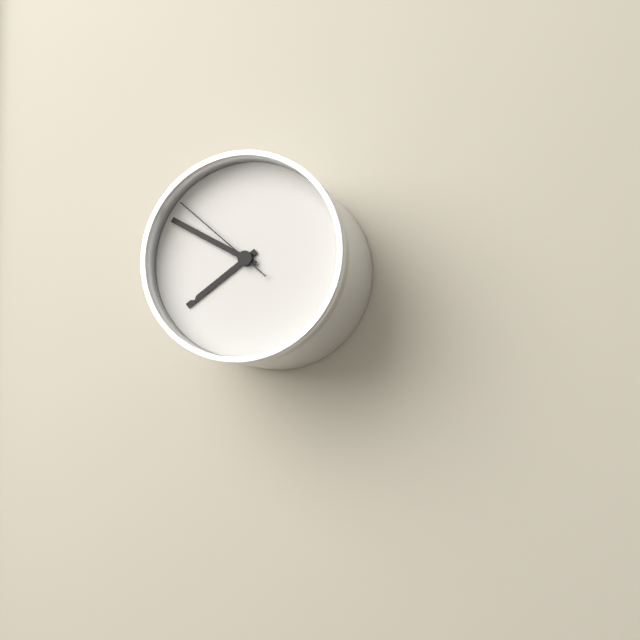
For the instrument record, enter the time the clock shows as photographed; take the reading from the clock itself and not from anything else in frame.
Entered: 7:50:52
